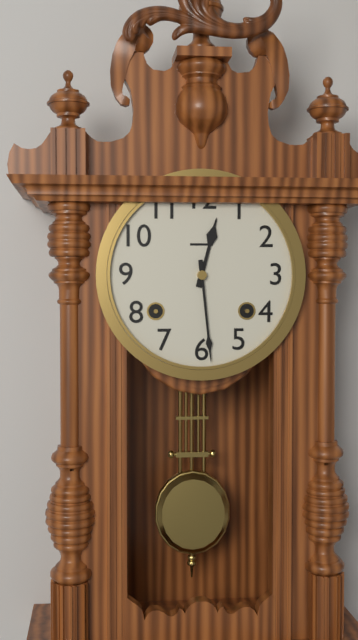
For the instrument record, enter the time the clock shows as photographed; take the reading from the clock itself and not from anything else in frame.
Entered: 12:29
